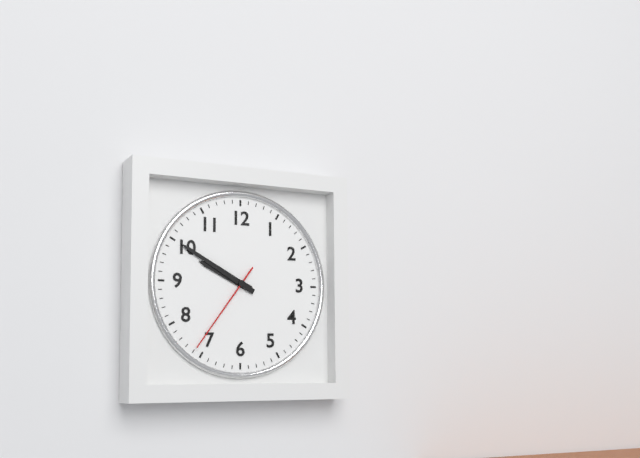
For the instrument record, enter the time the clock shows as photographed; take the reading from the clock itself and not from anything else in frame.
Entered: 9:50:36
